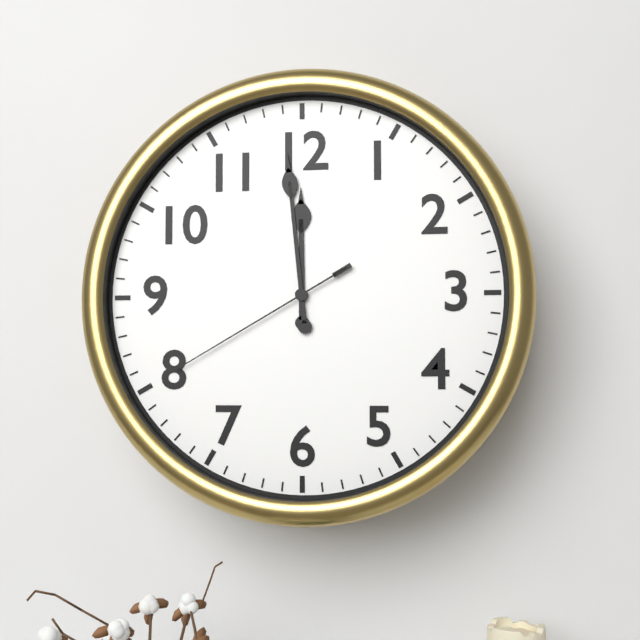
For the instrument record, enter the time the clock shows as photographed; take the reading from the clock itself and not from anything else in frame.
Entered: 11:59:40
